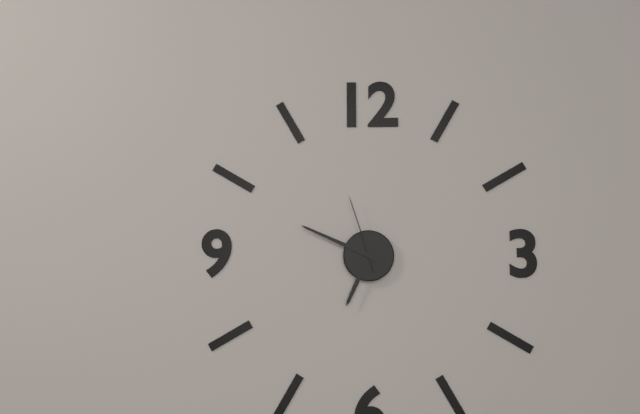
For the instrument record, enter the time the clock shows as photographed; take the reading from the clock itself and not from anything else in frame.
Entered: 6:49:57
